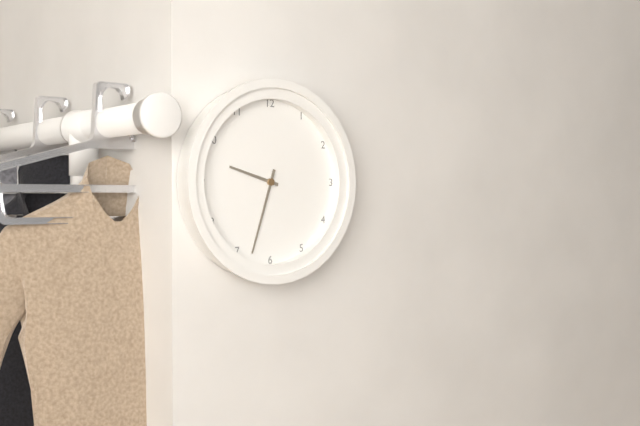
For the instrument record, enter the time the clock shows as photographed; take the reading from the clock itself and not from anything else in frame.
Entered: 9:33
